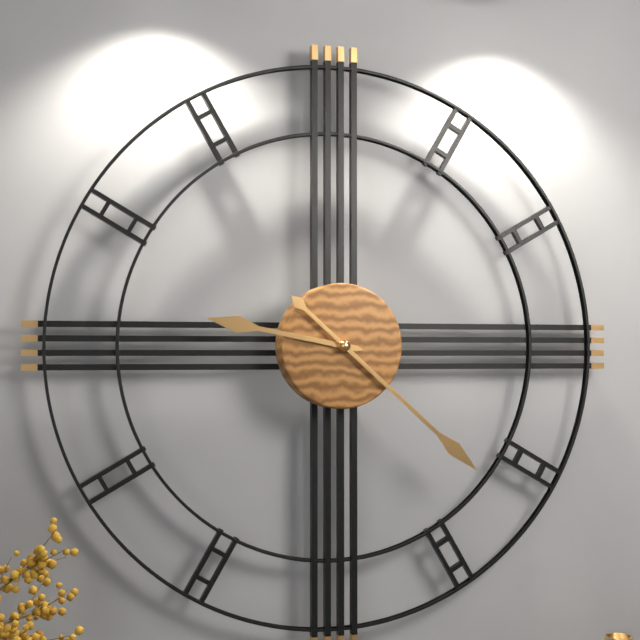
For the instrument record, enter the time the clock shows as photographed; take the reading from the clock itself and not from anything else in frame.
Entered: 9:22
